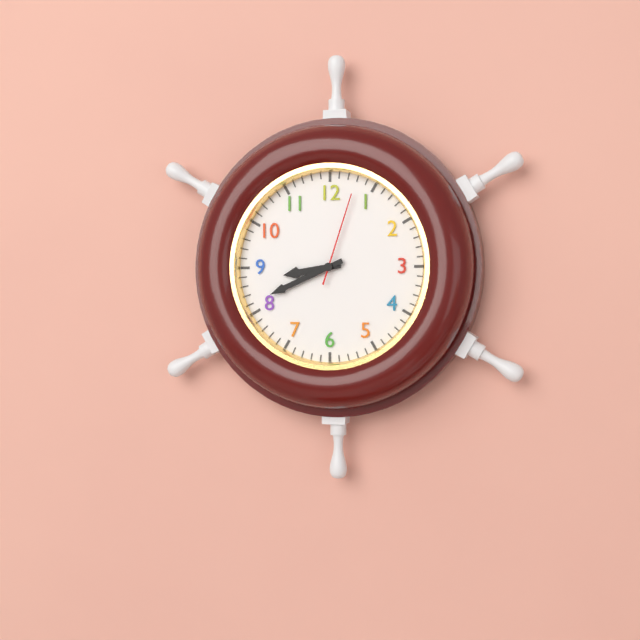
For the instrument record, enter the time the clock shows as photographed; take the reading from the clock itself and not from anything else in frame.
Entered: 8:41:03
